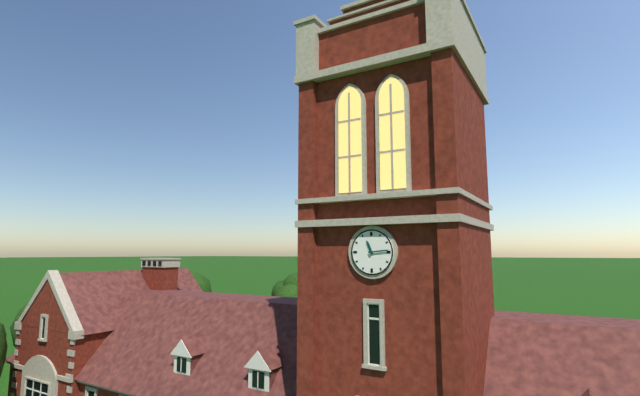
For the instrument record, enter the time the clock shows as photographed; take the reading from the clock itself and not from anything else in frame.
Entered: 11:14
